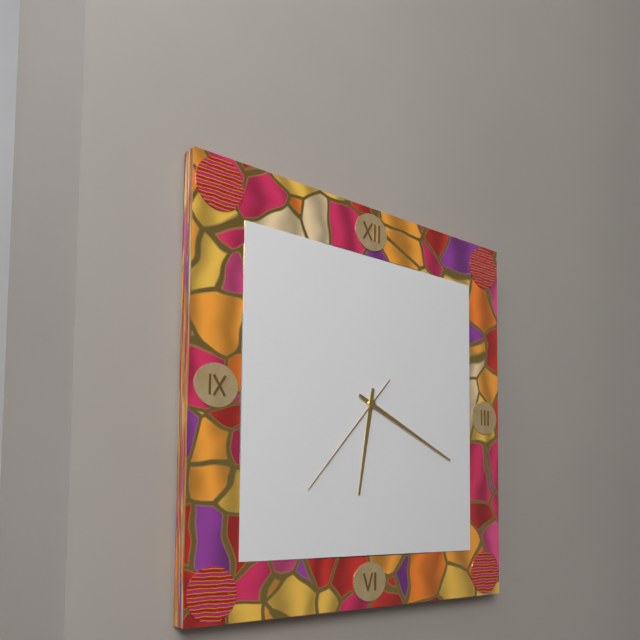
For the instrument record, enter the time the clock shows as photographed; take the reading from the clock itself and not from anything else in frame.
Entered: 6:19:37
